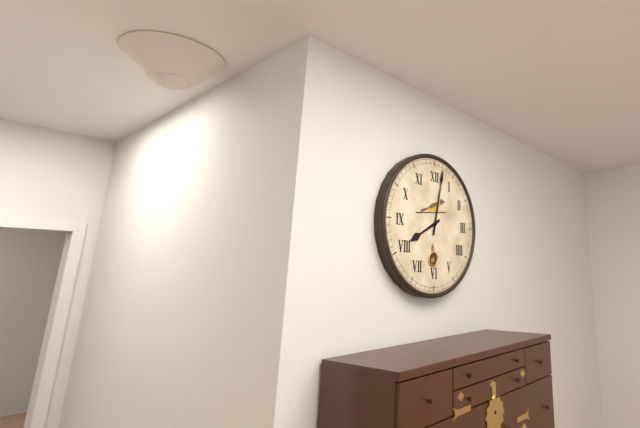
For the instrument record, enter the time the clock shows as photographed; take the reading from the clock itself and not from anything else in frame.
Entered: 8:02
